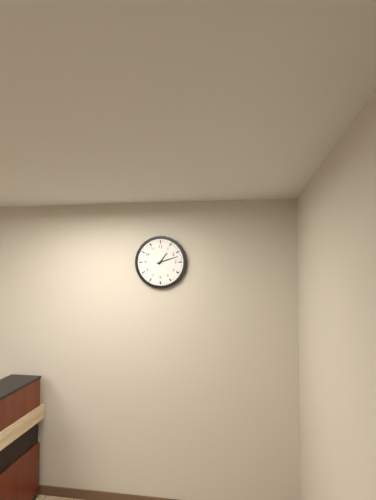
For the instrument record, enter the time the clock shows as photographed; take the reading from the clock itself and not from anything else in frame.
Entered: 1:12
